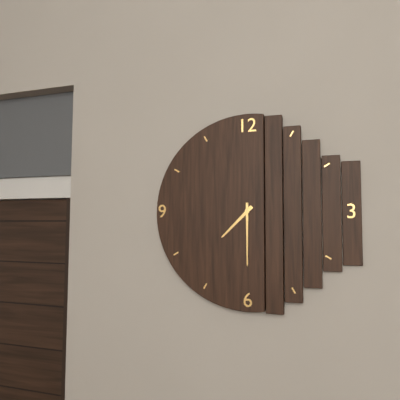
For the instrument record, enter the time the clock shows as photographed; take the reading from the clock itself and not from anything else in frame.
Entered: 7:30
